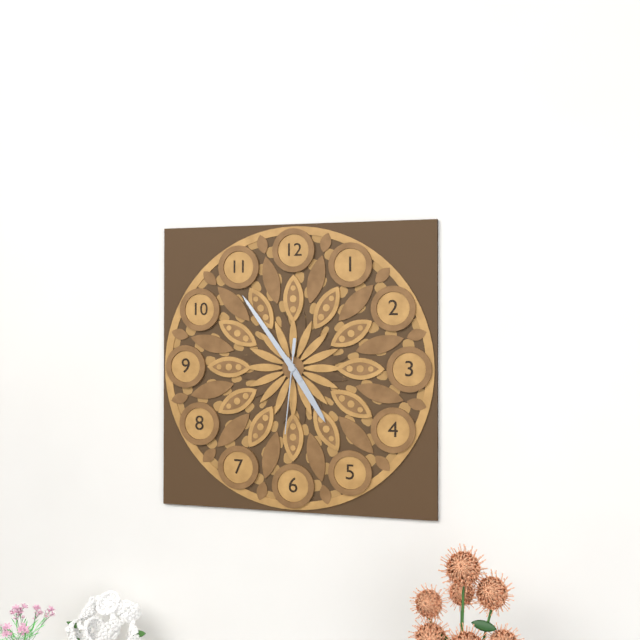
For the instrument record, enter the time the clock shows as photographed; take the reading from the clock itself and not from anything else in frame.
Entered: 4:54:31
